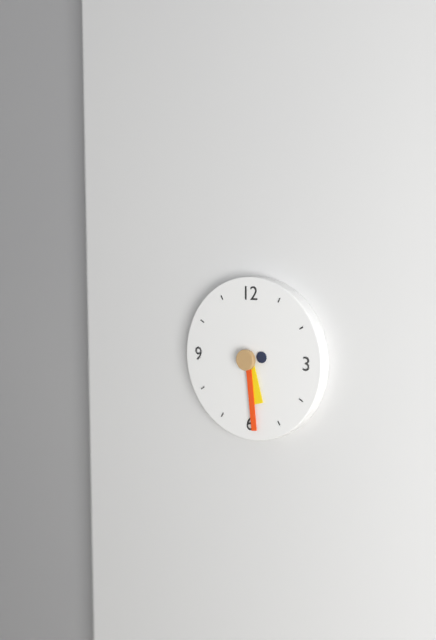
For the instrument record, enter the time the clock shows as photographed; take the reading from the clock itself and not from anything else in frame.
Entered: 5:29
